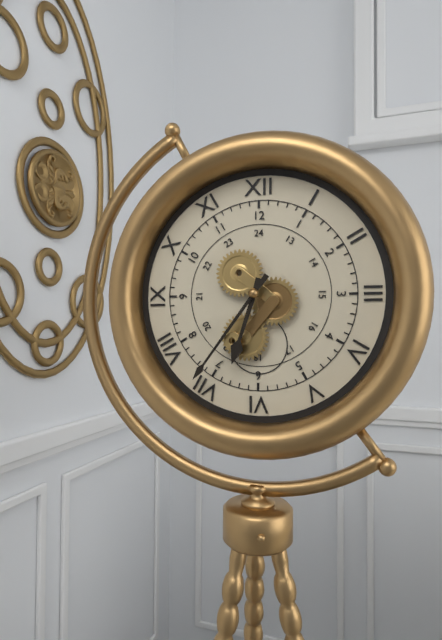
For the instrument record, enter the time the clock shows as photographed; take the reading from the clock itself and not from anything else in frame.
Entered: 6:36
